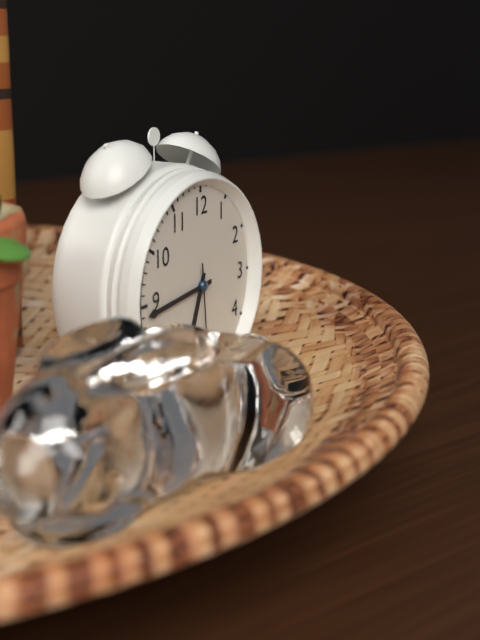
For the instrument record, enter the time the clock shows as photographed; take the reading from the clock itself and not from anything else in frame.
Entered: 6:44:29
